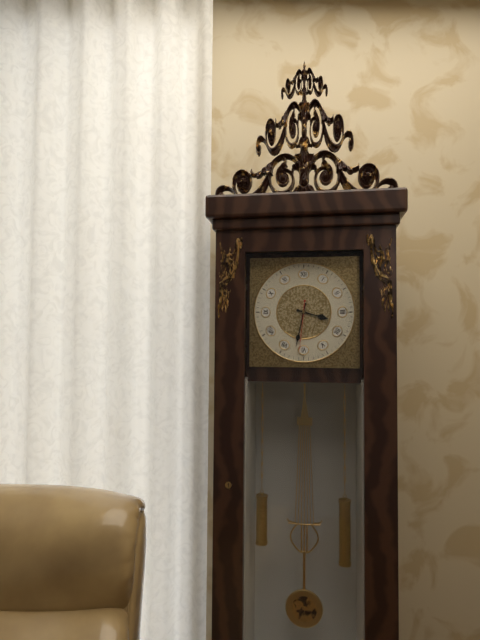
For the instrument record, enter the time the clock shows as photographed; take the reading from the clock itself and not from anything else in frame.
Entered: 3:32
